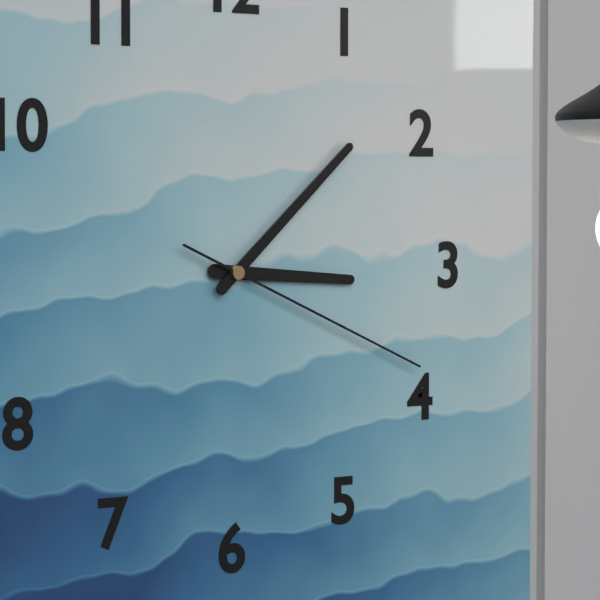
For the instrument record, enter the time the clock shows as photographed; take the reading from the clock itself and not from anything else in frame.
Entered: 3:08:19
